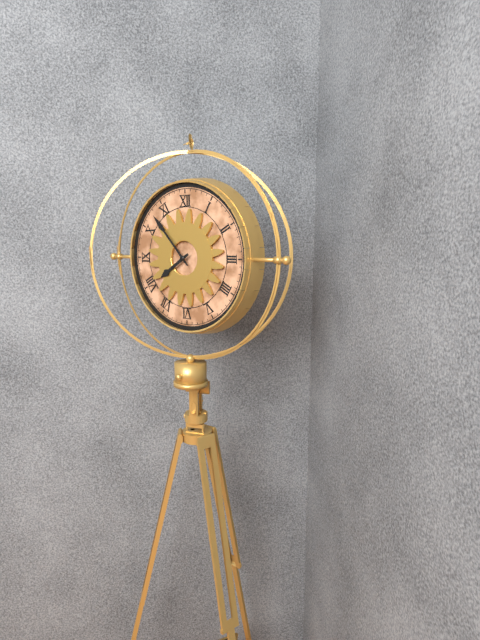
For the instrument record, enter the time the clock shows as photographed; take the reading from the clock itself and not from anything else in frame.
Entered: 7:53
